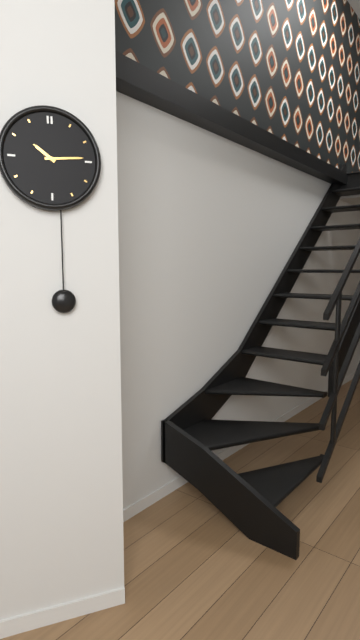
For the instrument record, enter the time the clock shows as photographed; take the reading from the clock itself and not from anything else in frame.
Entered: 10:14
